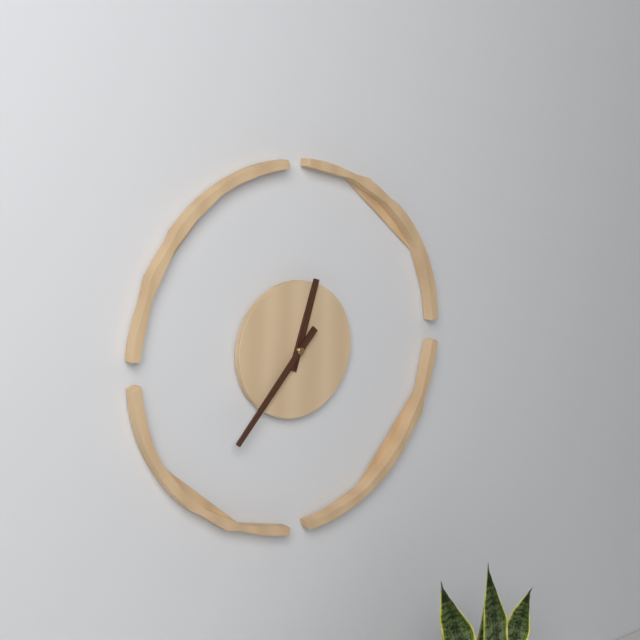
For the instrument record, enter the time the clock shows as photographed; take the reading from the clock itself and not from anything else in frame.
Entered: 12:37
